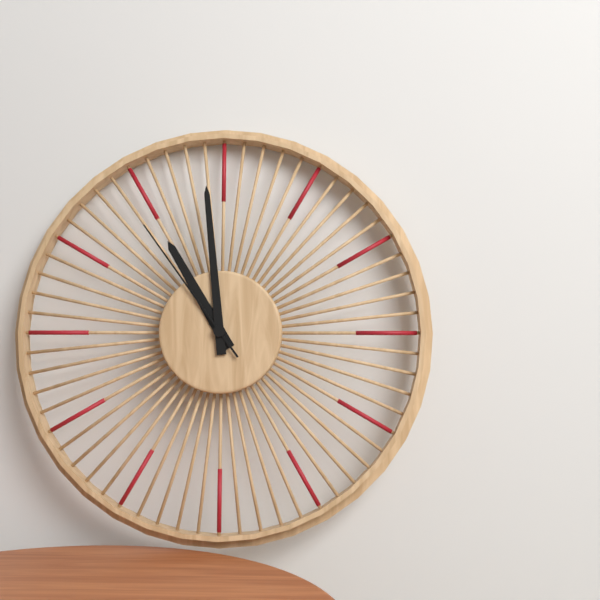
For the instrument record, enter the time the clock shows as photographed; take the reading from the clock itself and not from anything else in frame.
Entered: 10:59:54
